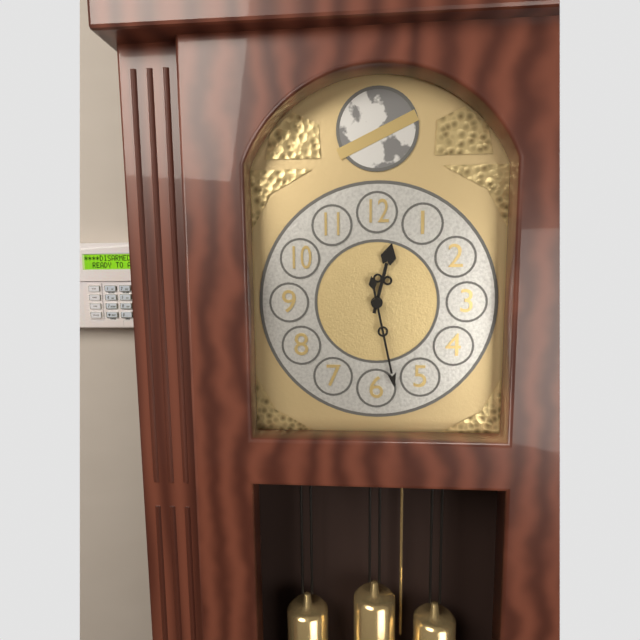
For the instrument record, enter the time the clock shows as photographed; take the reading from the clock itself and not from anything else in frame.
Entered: 12:28
